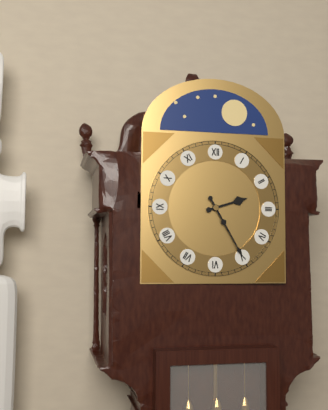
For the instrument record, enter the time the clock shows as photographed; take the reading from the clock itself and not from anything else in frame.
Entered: 2:25
